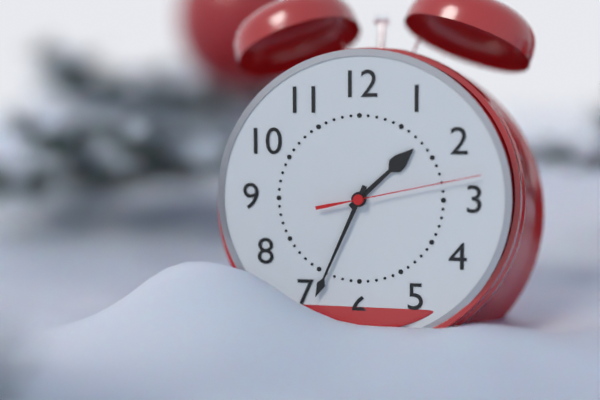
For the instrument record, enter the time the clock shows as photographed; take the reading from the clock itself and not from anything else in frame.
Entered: 1:34:13
